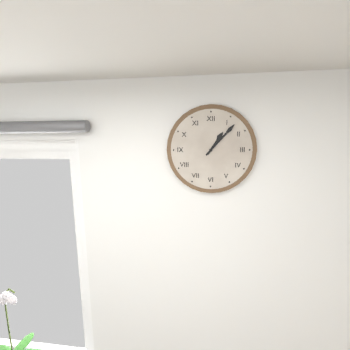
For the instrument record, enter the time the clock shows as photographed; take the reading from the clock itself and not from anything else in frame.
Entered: 1:07
